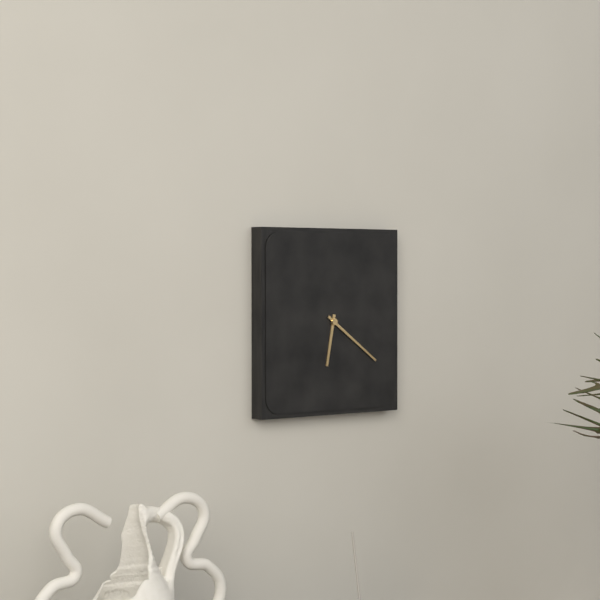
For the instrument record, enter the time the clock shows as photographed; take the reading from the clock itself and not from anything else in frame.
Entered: 6:21
